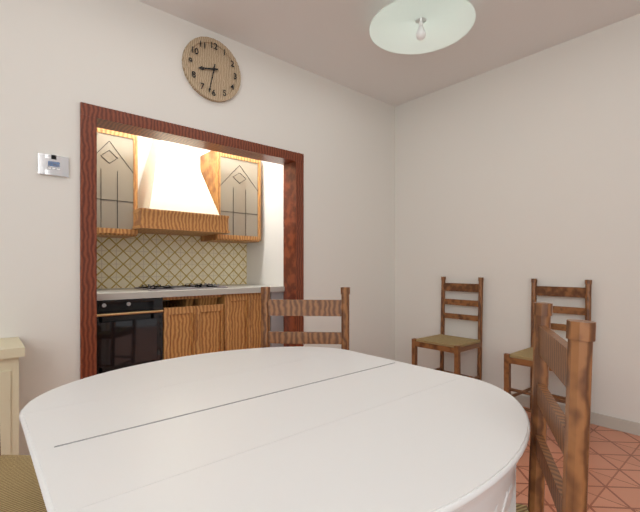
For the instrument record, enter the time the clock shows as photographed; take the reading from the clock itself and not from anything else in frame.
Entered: 8:32
